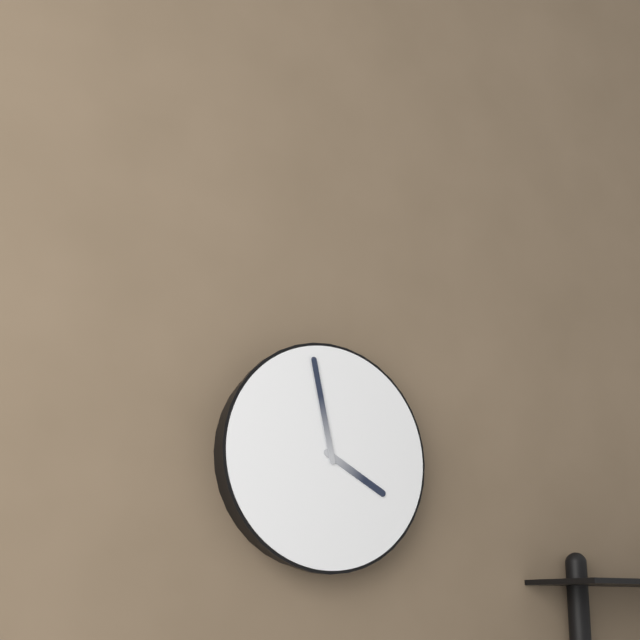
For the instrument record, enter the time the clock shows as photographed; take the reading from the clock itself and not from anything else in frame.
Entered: 3:58
